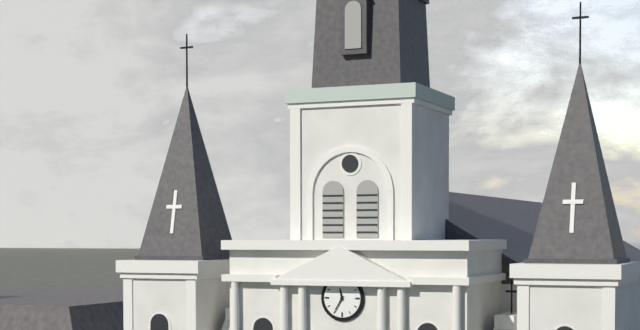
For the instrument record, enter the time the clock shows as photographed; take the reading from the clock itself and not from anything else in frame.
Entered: 11:35
